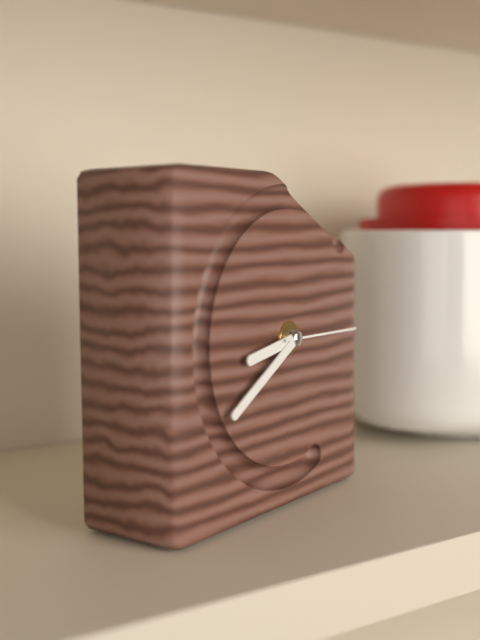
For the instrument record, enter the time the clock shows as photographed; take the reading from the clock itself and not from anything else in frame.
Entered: 8:40:15
